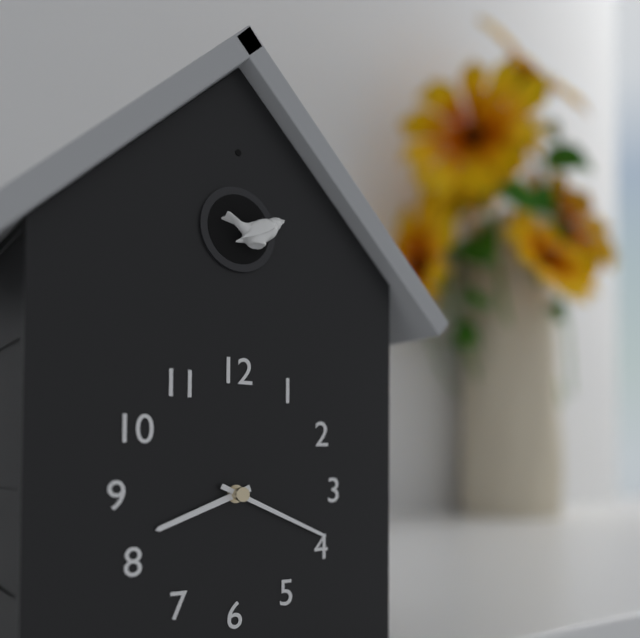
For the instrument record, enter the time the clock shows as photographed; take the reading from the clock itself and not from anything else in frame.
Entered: 8:19
